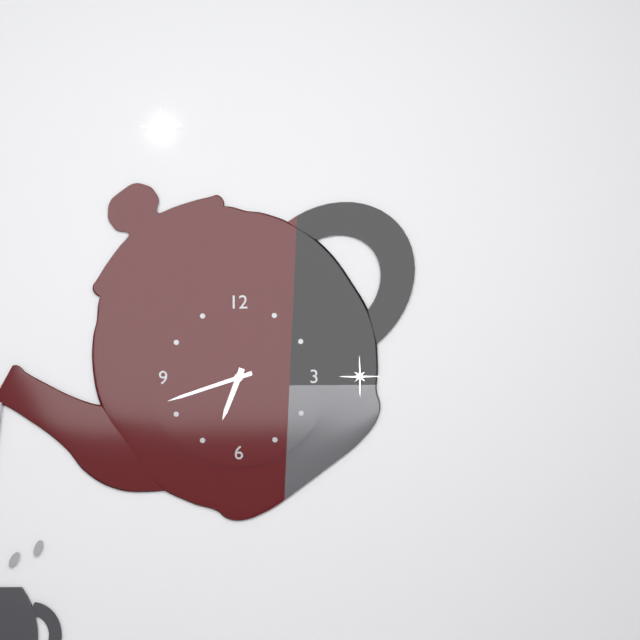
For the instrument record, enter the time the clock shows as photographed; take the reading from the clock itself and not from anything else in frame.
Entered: 6:42
